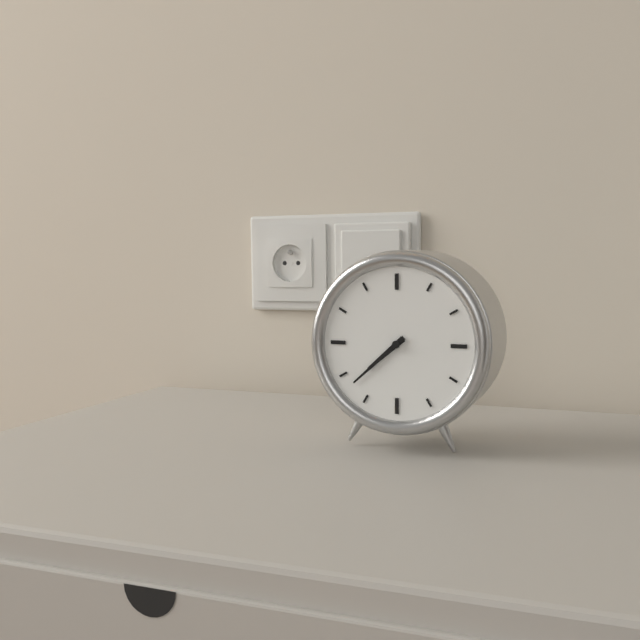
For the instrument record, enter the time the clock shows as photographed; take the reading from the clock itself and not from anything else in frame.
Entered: 7:38
